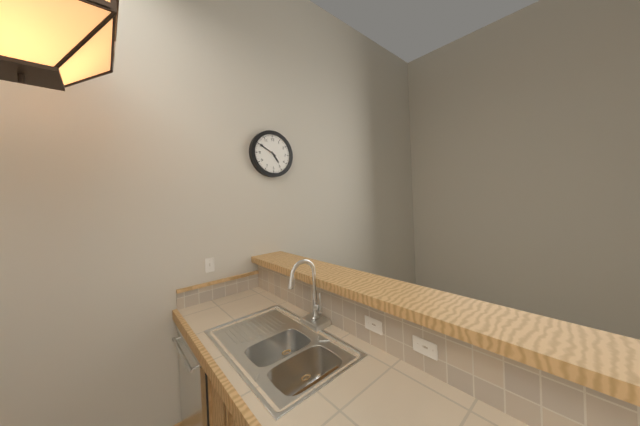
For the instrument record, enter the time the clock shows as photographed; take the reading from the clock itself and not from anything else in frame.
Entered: 4:50
